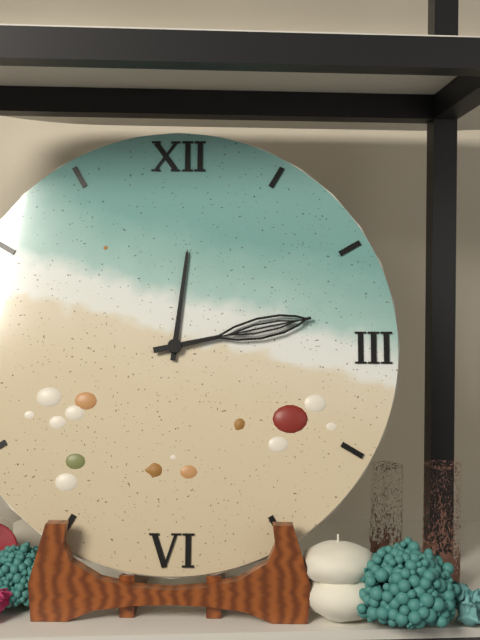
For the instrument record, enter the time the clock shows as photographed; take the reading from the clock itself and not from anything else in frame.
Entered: 12:13
